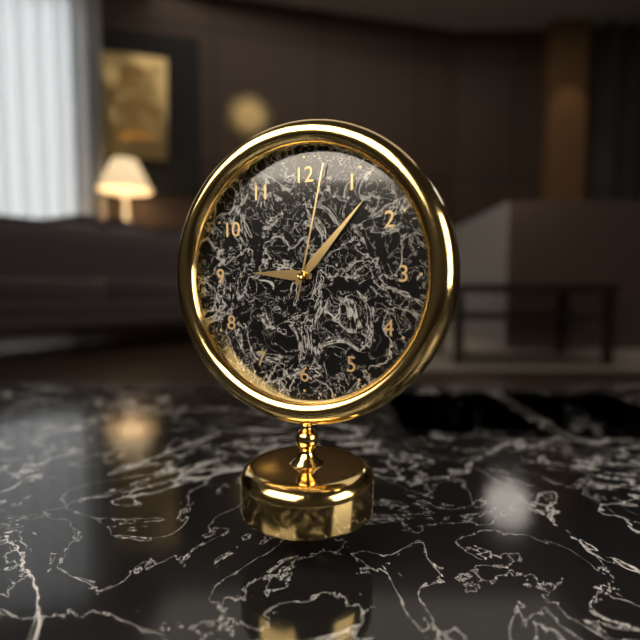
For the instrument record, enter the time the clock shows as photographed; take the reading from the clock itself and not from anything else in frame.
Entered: 9:07:02
